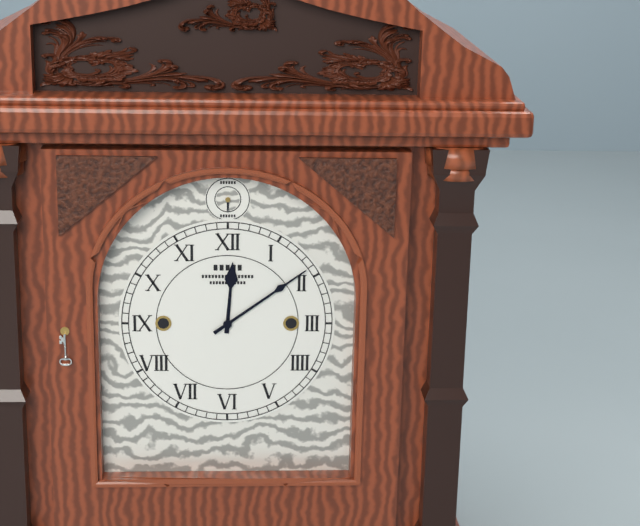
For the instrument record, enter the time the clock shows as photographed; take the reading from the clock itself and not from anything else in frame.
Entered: 12:09
